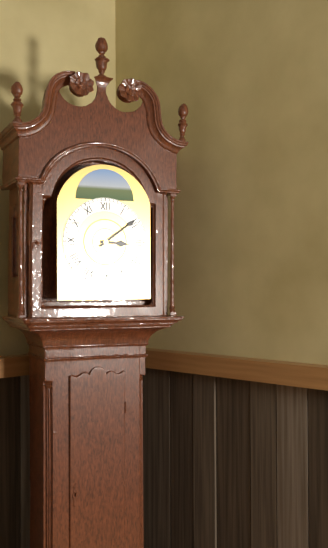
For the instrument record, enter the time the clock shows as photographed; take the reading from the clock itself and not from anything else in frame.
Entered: 3:09
